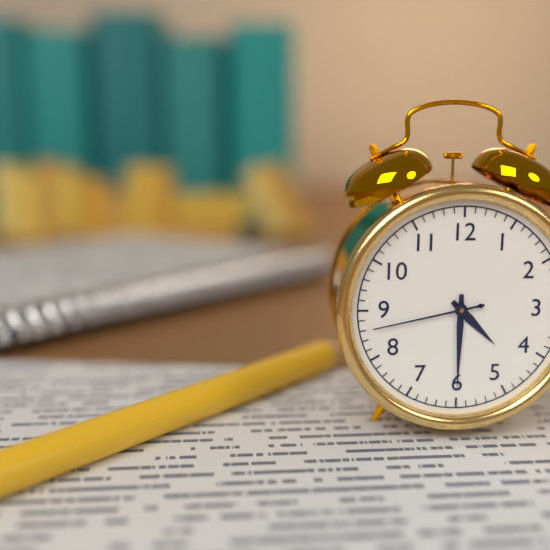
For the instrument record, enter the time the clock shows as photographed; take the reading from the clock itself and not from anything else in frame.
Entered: 4:30:43
